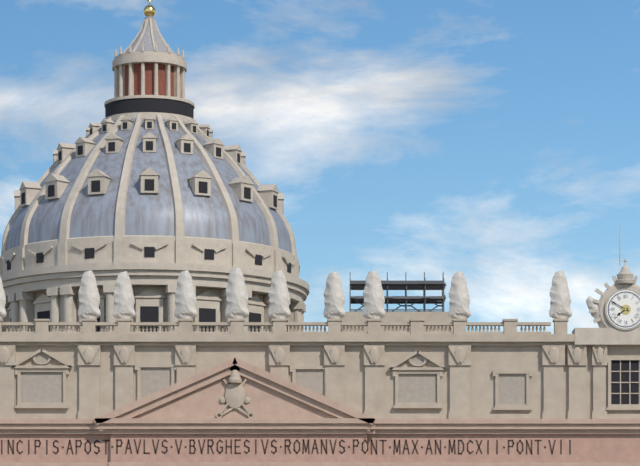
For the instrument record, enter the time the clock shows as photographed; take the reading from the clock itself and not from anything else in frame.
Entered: 7:50
